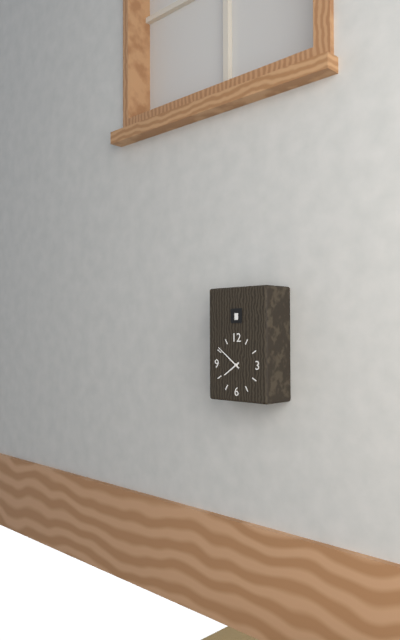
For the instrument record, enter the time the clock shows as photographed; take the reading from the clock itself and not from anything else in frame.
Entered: 7:51
